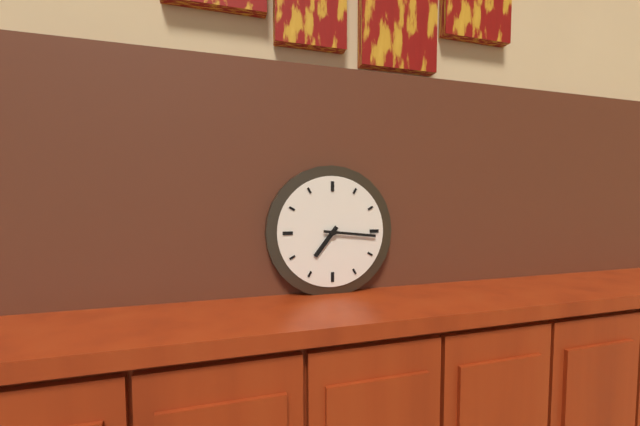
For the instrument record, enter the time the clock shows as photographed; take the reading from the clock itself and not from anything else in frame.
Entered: 7:16
